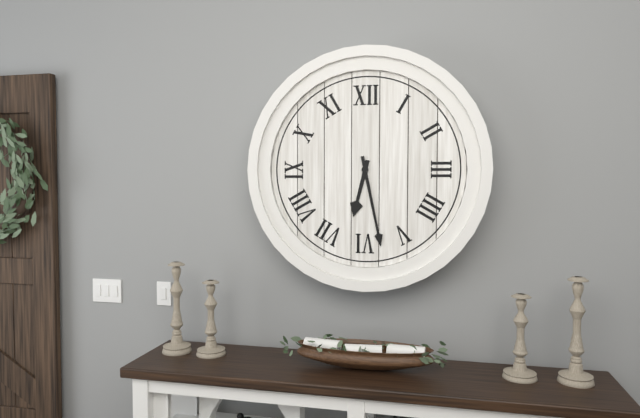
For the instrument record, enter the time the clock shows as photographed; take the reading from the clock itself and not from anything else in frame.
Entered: 6:28
